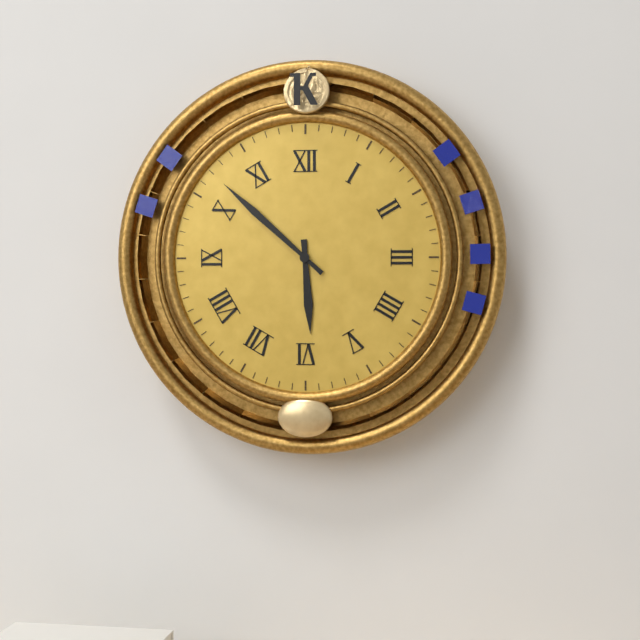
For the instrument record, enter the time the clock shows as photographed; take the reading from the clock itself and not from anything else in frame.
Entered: 5:52
